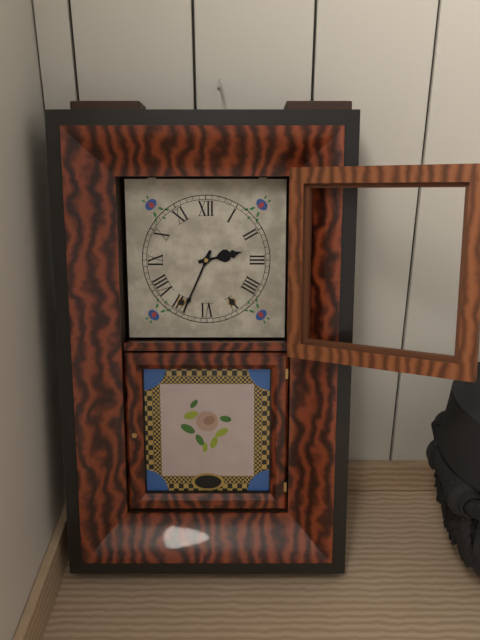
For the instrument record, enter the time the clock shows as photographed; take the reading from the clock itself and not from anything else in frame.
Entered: 2:34
